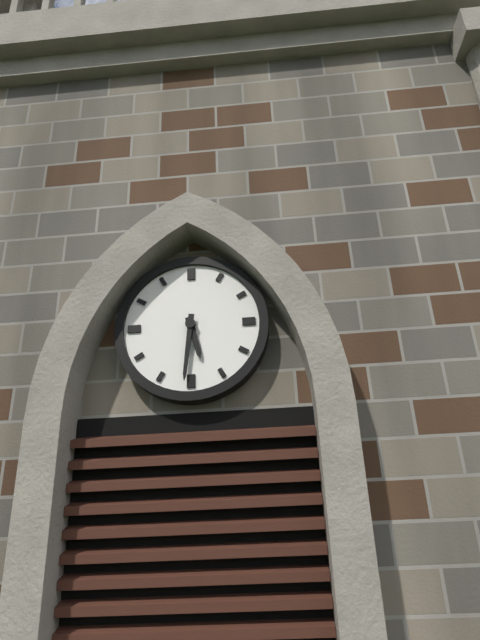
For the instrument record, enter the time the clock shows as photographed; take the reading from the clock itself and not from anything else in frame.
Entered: 5:31
